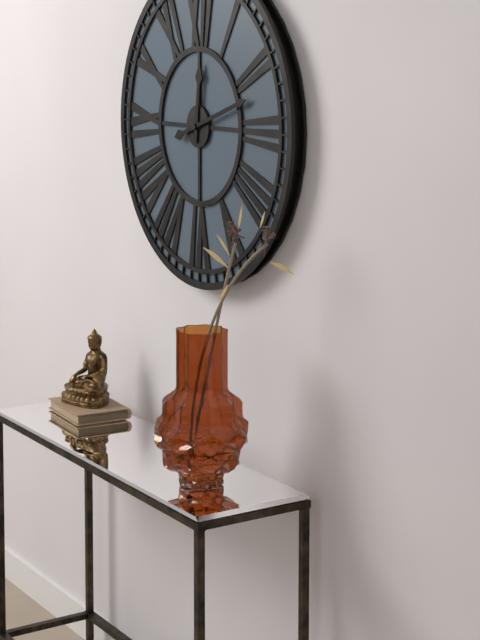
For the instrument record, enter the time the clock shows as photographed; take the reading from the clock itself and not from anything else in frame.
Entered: 12:12
